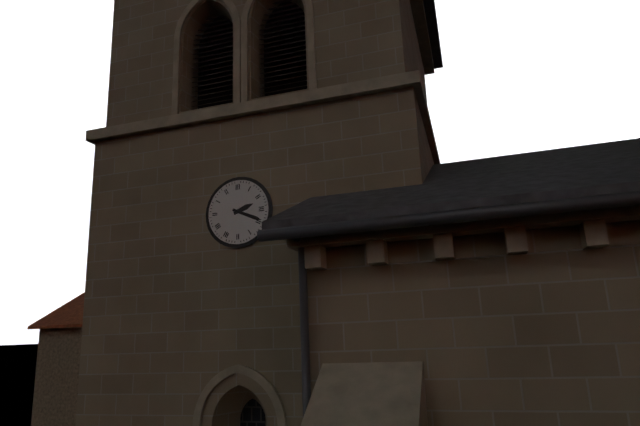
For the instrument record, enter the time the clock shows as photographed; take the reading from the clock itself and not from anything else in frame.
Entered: 2:19
